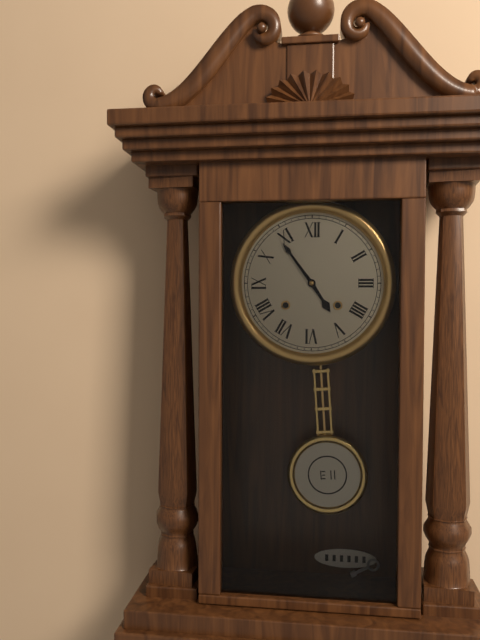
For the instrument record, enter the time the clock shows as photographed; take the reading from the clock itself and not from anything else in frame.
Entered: 4:54
